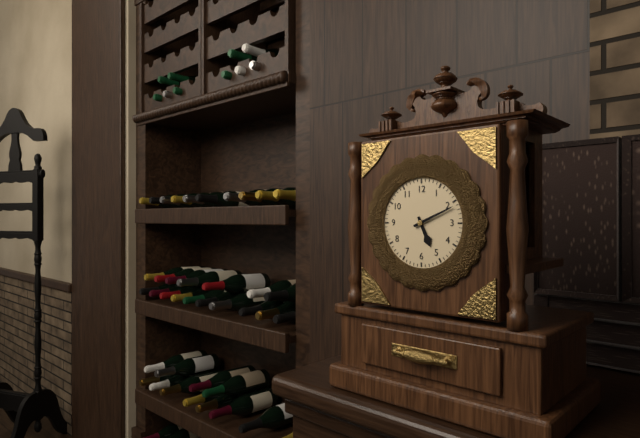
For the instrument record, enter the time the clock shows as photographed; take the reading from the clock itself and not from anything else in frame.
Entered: 5:11
